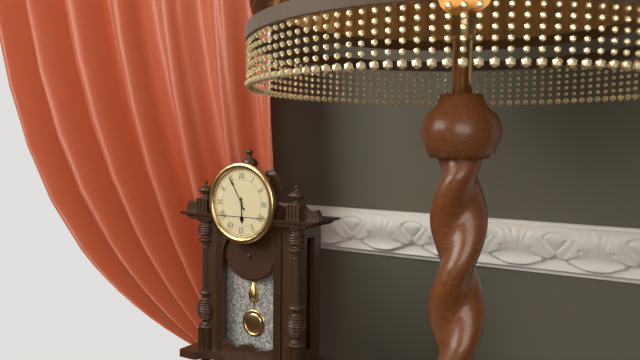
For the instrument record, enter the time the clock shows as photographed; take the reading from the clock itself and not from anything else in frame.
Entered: 5:55
